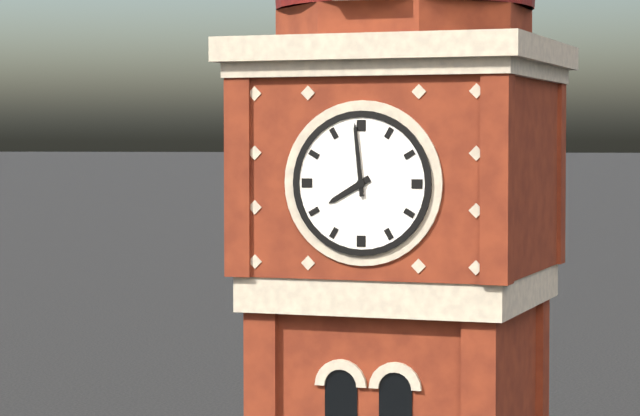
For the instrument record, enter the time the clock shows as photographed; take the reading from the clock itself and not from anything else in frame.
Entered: 7:59
